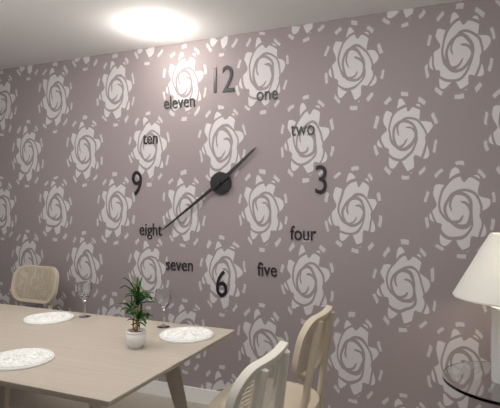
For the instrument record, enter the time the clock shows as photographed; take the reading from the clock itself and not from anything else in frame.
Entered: 1:39
